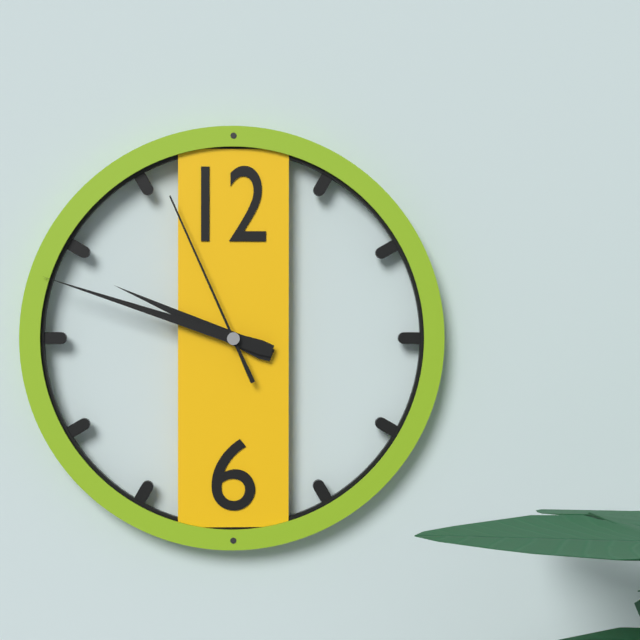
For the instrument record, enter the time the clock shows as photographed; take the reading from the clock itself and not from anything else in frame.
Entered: 9:48:56
